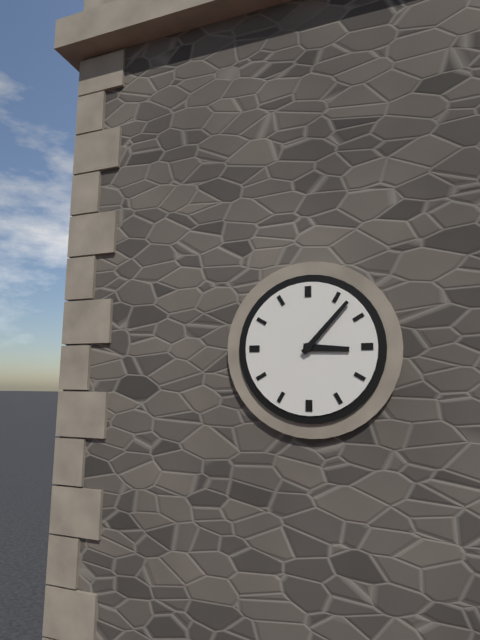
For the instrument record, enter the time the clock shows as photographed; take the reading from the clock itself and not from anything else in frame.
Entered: 3:07
